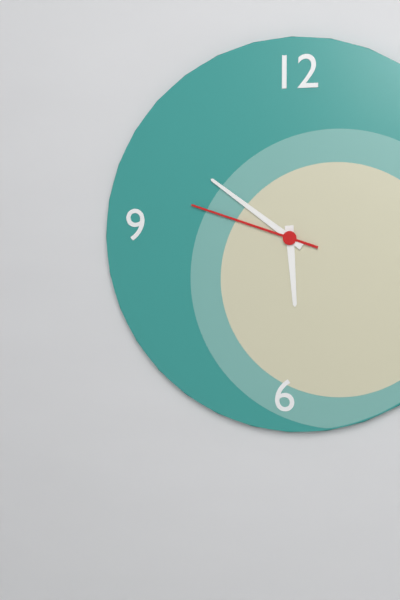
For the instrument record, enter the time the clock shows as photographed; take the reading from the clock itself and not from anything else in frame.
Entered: 5:51:48
